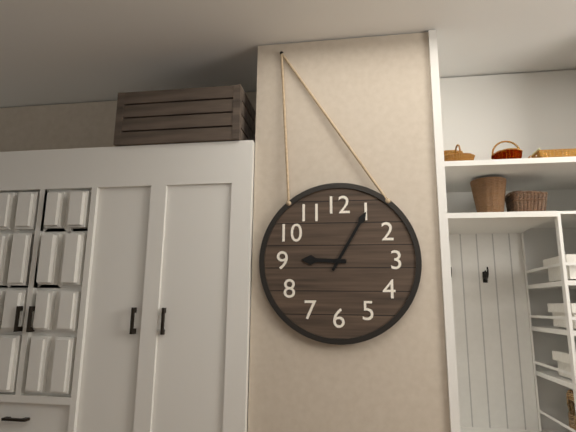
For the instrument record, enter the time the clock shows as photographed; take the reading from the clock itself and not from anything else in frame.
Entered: 9:05
